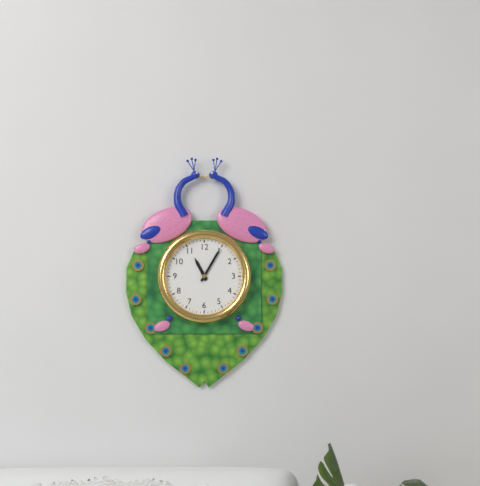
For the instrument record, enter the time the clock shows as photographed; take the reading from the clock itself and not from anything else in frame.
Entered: 11:05
